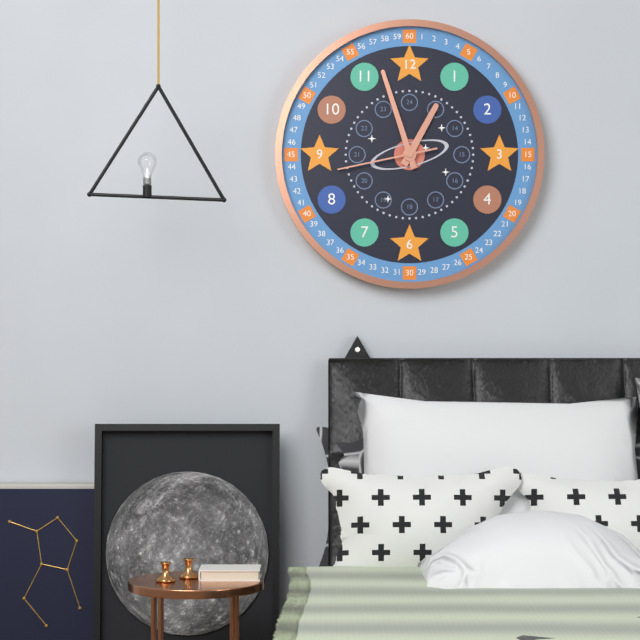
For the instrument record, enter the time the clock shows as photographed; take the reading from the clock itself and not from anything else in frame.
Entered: 12:57:43
